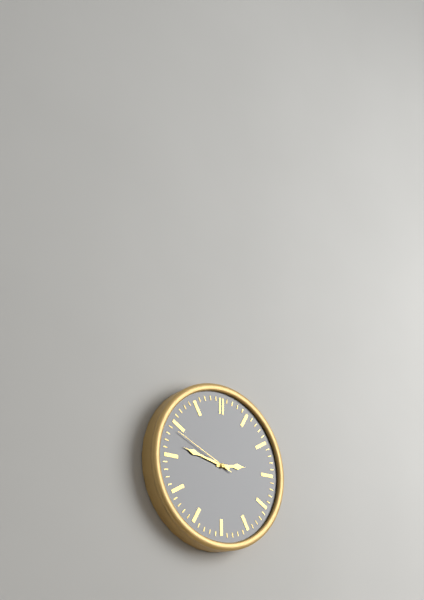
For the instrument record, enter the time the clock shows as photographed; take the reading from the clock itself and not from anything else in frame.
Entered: 2:47:49
